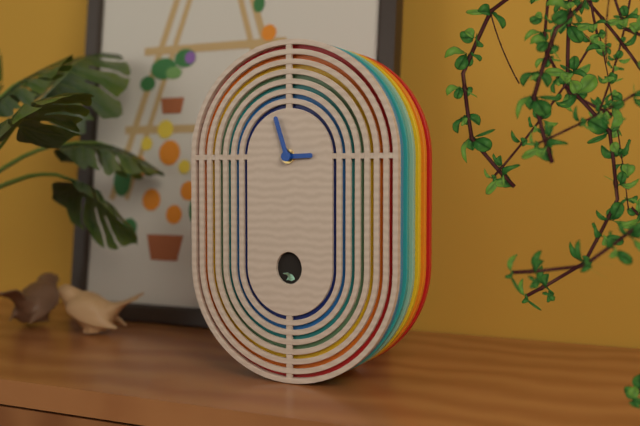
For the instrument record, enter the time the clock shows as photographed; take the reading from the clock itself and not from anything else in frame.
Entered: 2:57
